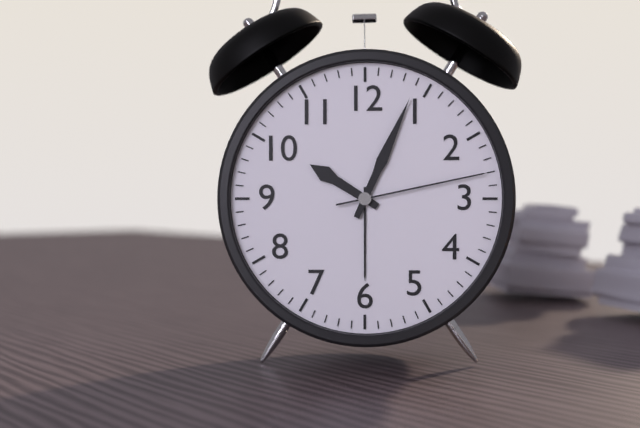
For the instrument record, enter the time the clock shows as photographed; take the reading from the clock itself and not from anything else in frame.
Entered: 10:04:13
